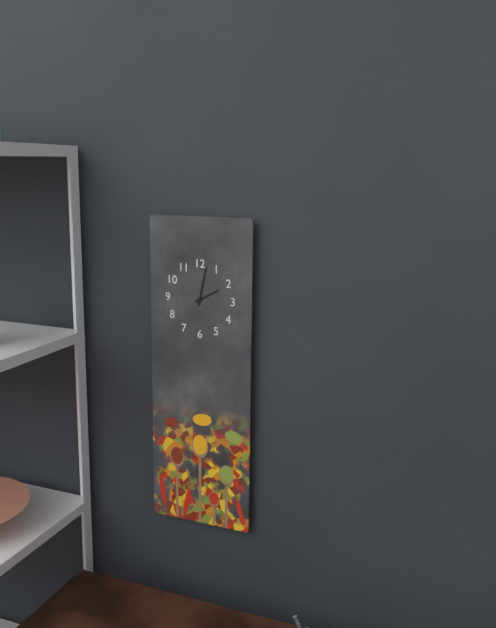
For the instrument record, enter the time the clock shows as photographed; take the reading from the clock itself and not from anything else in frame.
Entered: 2:02
